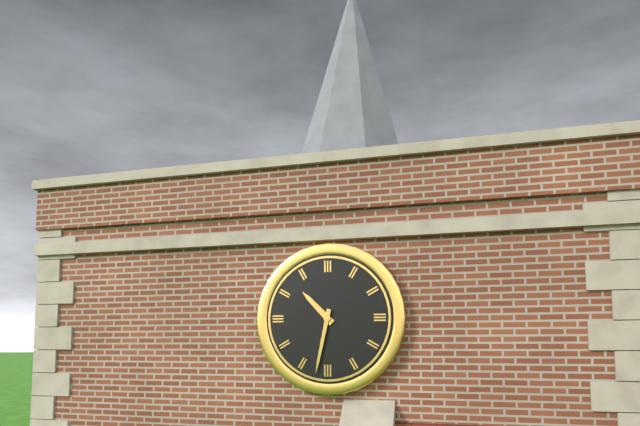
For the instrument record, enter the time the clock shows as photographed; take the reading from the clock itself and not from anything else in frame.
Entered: 10:32
